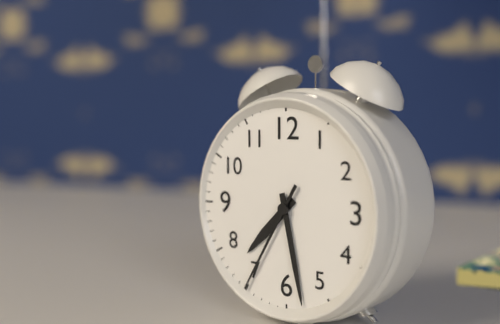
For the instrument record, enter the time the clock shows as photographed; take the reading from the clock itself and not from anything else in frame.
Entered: 7:28:35
